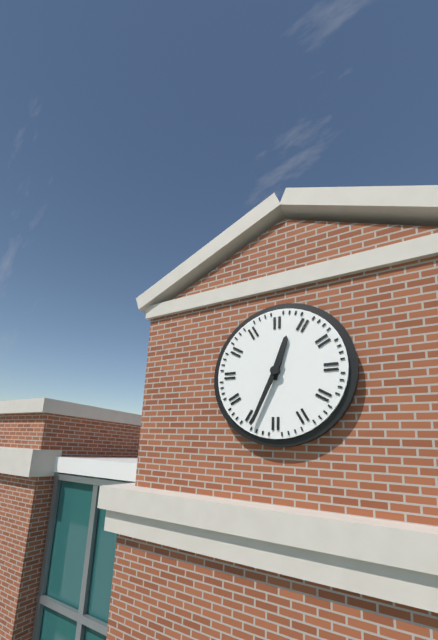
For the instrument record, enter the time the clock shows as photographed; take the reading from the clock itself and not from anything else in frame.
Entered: 12:34
